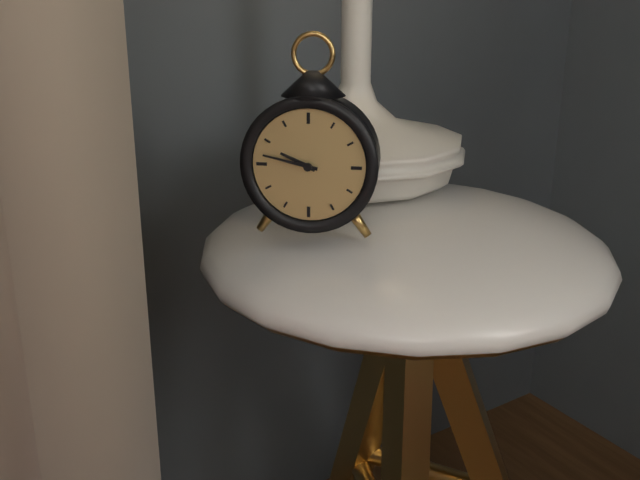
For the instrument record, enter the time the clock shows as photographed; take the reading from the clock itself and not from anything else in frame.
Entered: 9:47
